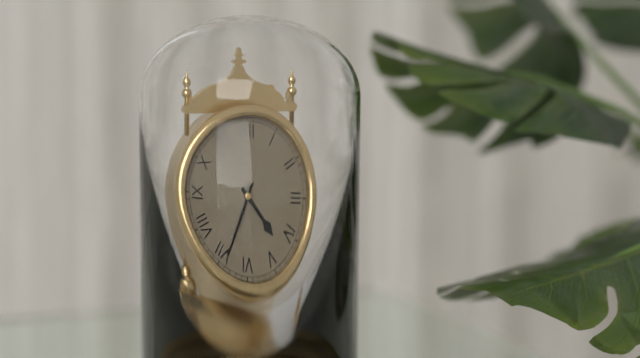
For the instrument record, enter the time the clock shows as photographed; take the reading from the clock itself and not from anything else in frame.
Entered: 4:34
